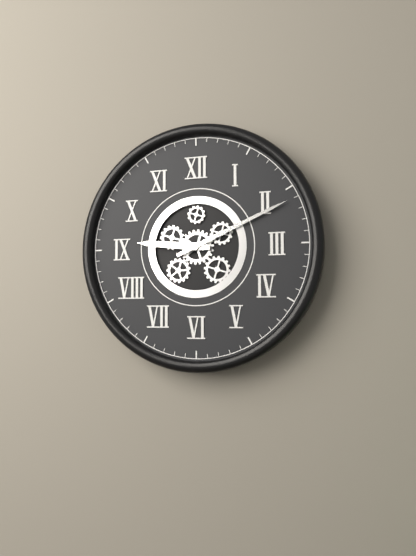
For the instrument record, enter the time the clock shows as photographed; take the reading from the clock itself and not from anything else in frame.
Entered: 9:11
